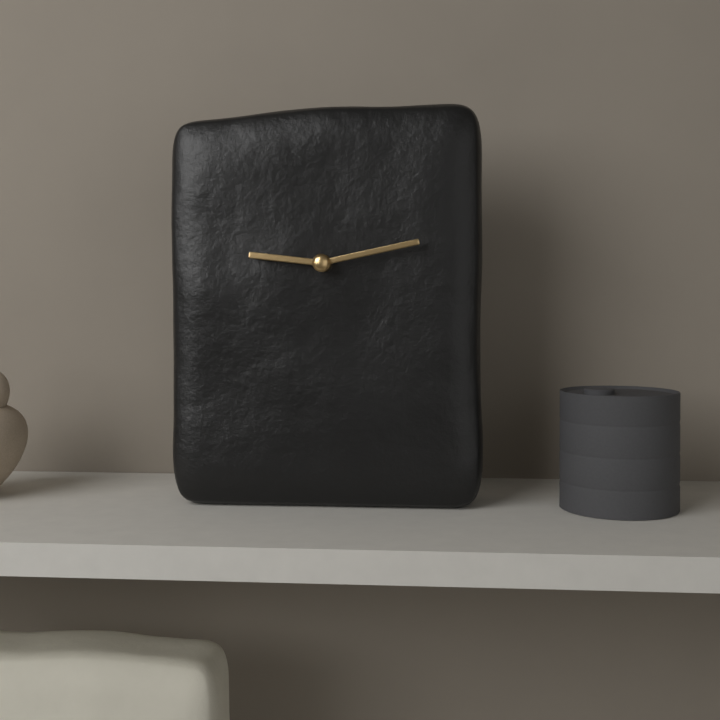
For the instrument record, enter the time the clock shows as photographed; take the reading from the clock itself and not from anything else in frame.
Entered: 9:13
